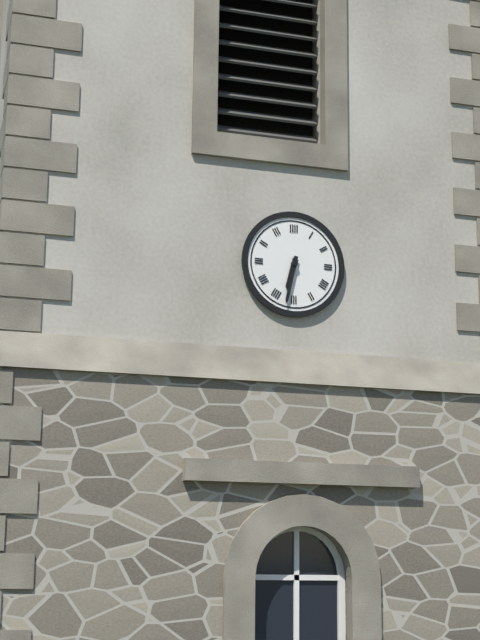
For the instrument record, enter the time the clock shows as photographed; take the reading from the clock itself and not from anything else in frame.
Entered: 6:32
